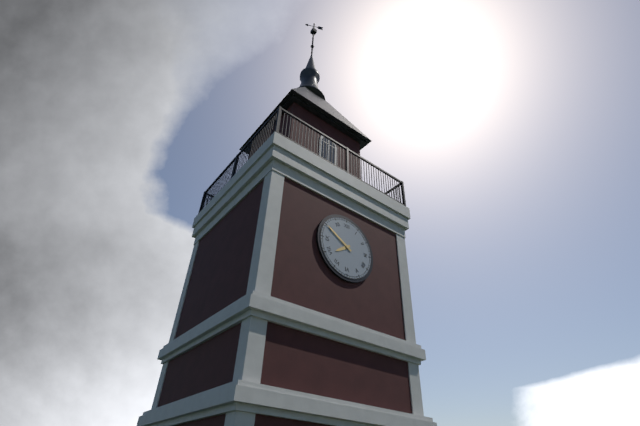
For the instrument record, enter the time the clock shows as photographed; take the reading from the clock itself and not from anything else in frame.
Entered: 7:50
